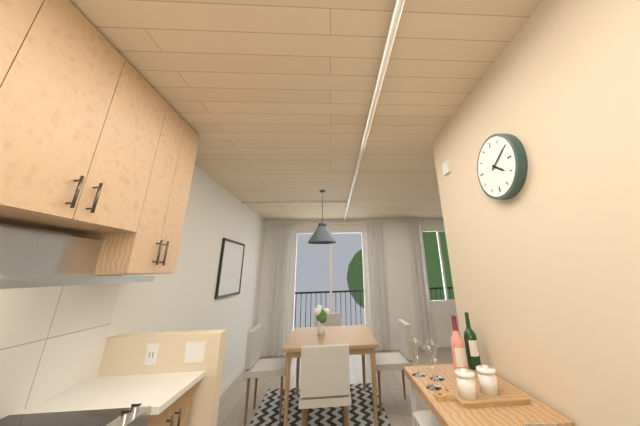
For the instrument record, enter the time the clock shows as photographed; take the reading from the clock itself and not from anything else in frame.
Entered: 4:10
